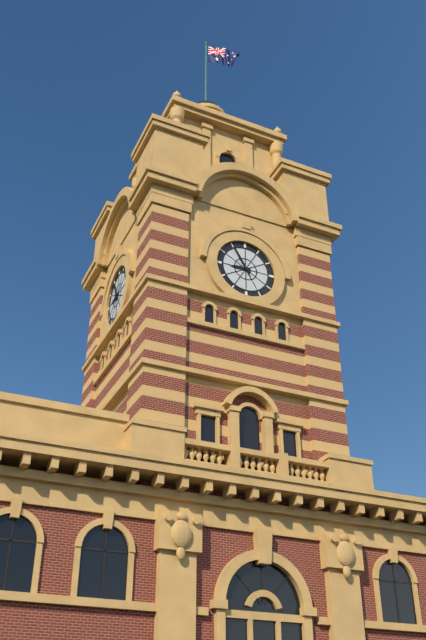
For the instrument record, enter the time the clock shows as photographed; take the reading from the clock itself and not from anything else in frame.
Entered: 8:55
